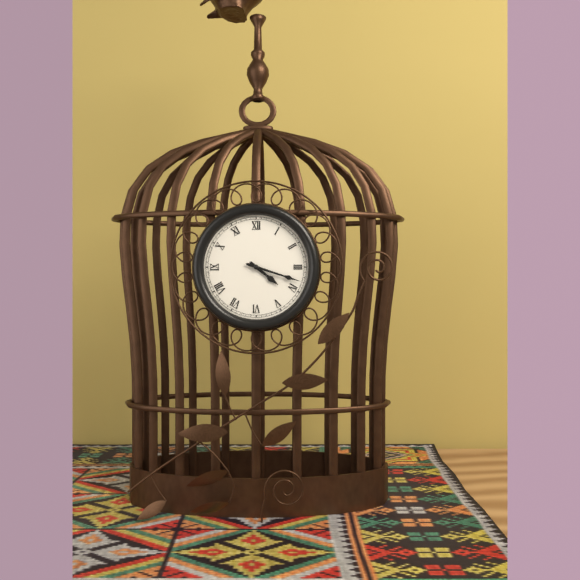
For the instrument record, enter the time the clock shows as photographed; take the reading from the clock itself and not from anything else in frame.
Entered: 4:18
